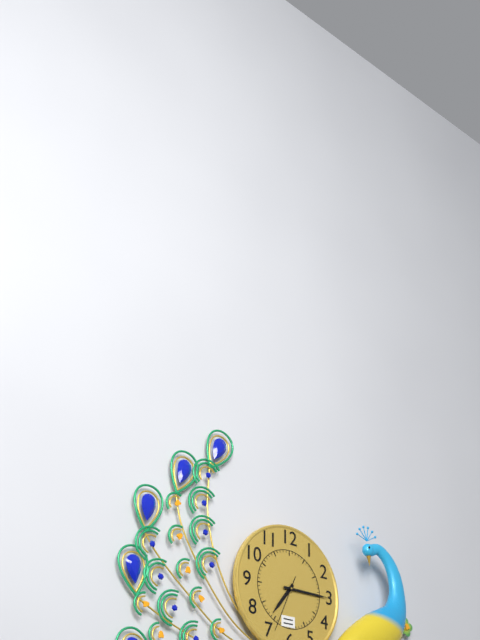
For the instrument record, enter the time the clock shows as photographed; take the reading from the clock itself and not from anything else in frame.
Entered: 7:15
